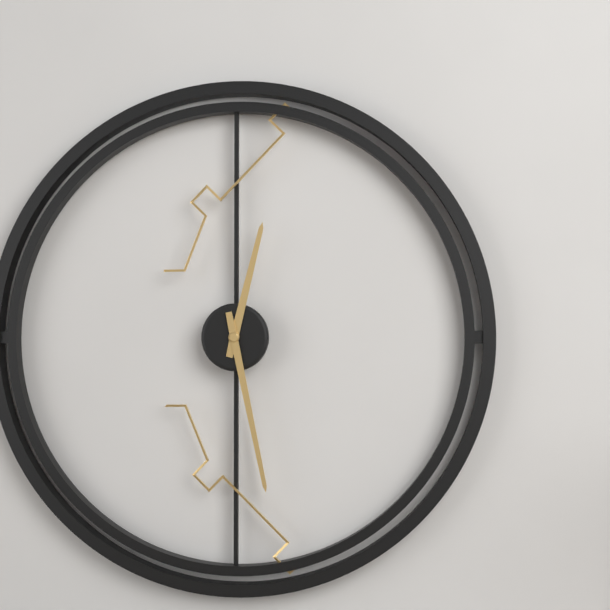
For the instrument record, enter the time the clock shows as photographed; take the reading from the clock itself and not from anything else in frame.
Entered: 12:28
